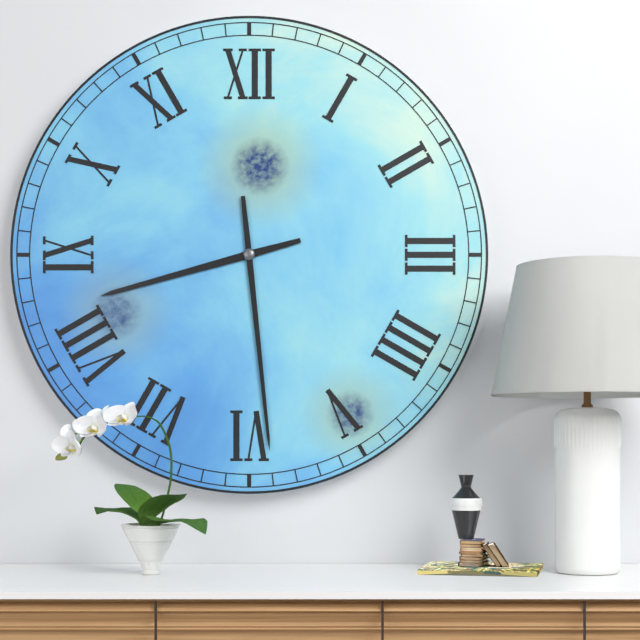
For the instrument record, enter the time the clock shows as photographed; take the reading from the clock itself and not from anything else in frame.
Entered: 8:29
